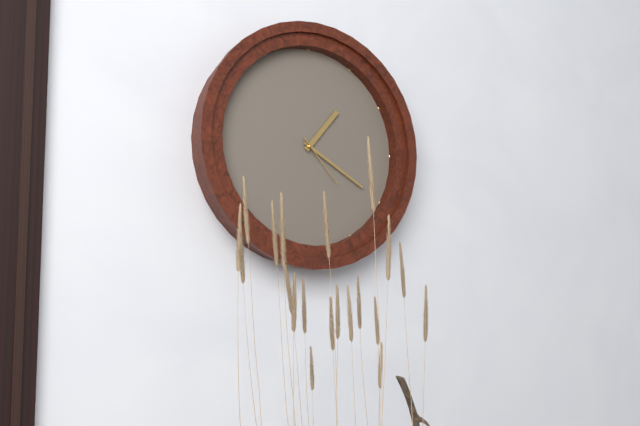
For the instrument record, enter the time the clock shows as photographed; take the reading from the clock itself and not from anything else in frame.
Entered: 1:20:23
